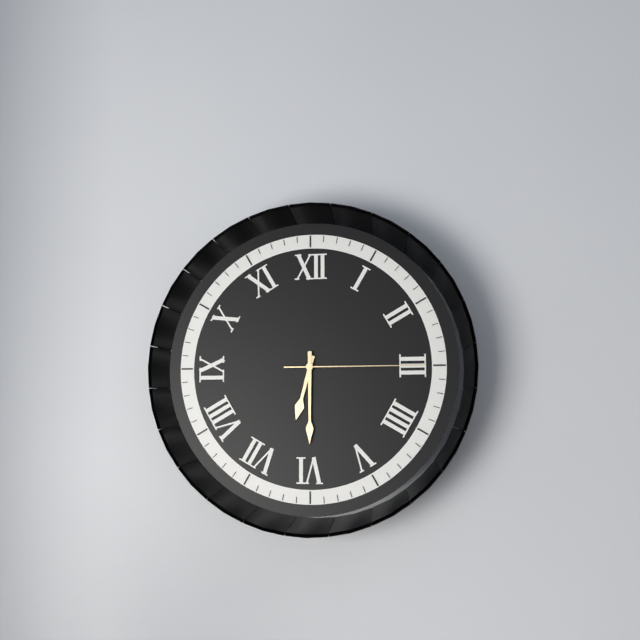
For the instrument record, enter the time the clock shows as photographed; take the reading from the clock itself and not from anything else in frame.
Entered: 6:30:15
